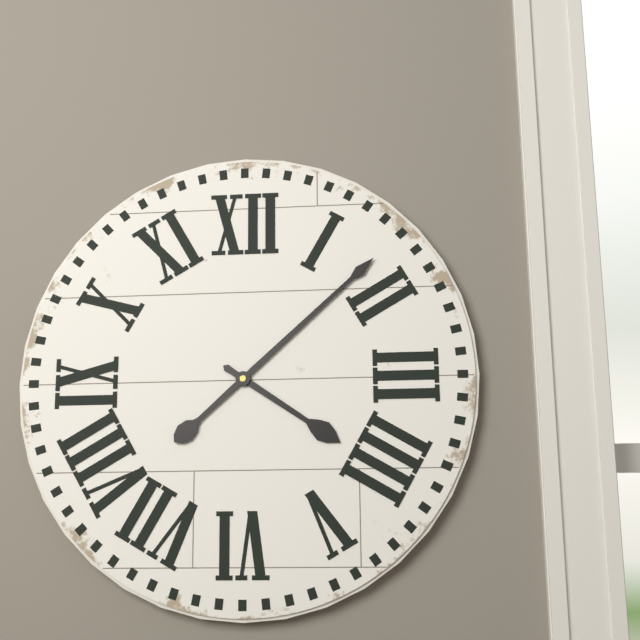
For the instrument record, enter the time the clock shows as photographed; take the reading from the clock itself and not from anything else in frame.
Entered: 4:08
